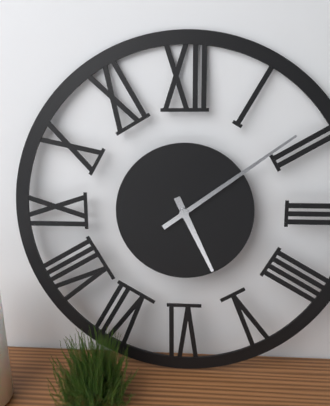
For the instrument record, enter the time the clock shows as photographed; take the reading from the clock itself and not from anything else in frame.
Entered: 5:09
